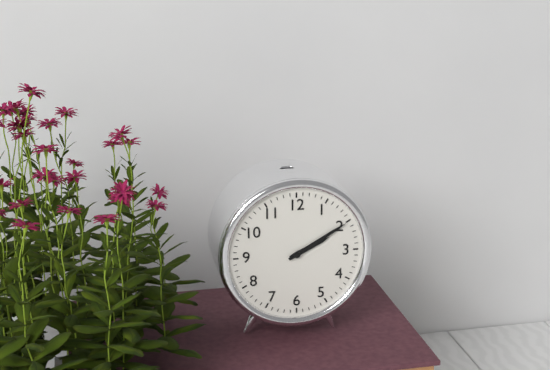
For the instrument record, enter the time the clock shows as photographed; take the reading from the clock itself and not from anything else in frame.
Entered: 2:10
